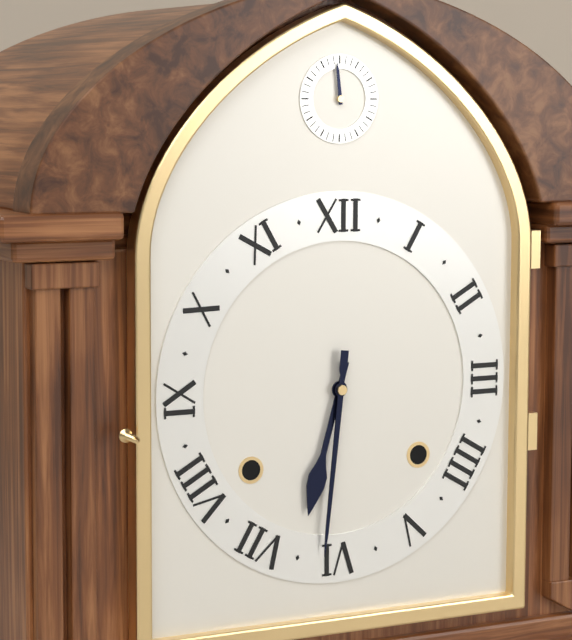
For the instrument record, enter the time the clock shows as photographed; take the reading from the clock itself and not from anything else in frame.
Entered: 6:31
